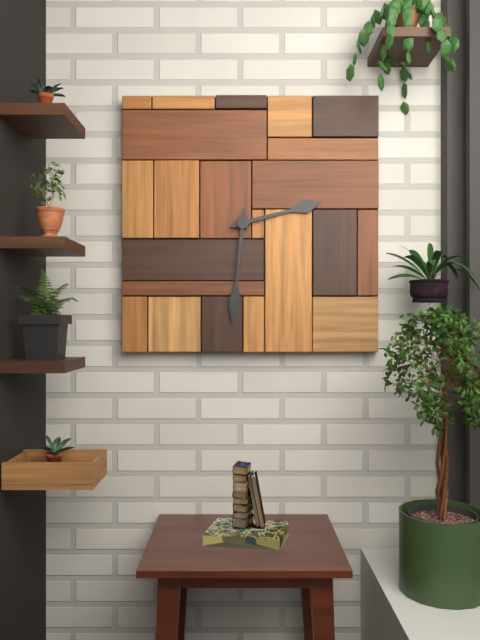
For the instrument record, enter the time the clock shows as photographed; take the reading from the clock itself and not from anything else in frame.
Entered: 2:31
